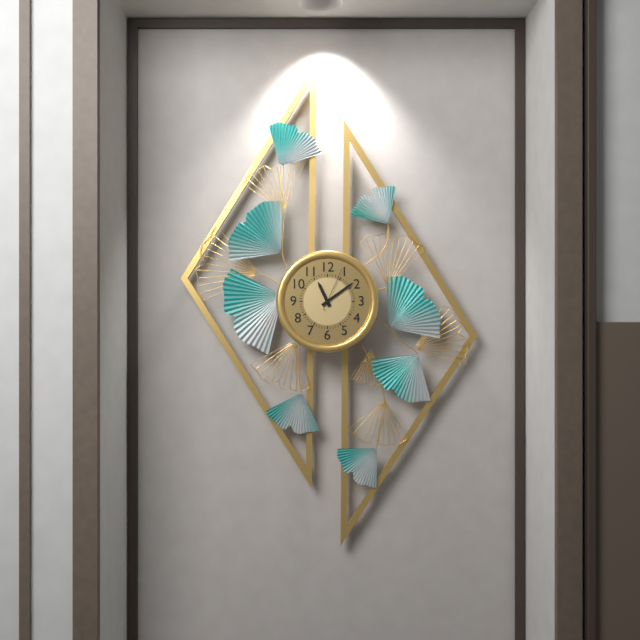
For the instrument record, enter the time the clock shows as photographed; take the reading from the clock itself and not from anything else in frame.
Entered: 11:09
